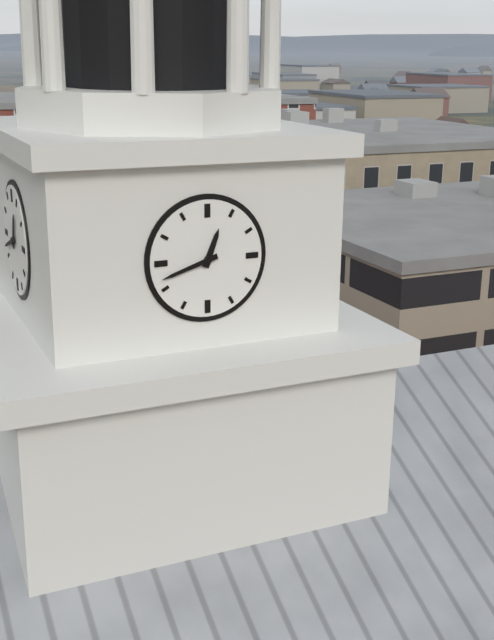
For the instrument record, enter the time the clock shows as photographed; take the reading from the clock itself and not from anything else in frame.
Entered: 12:42
